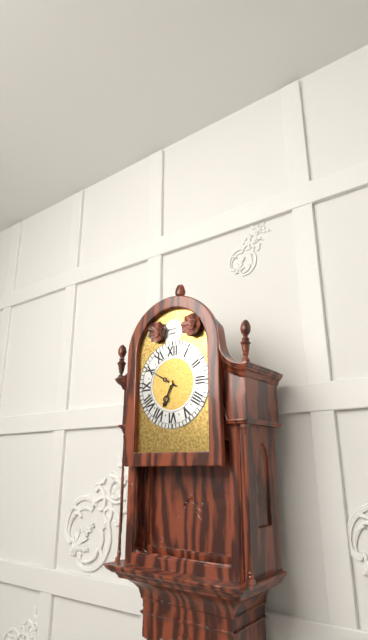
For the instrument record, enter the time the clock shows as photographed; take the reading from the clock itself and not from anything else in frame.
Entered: 6:50
